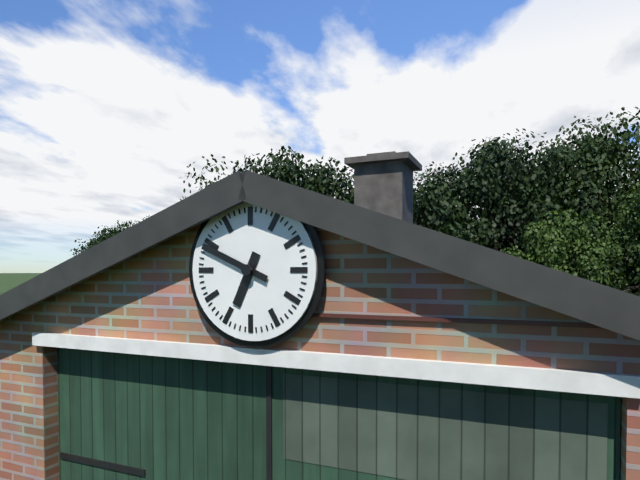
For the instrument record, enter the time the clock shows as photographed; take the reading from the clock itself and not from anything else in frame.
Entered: 6:49
